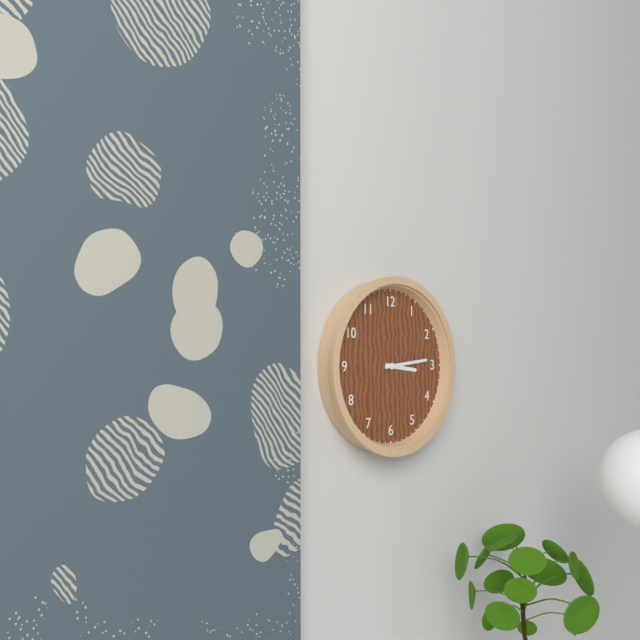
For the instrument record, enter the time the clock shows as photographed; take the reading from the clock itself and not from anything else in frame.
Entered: 3:14
